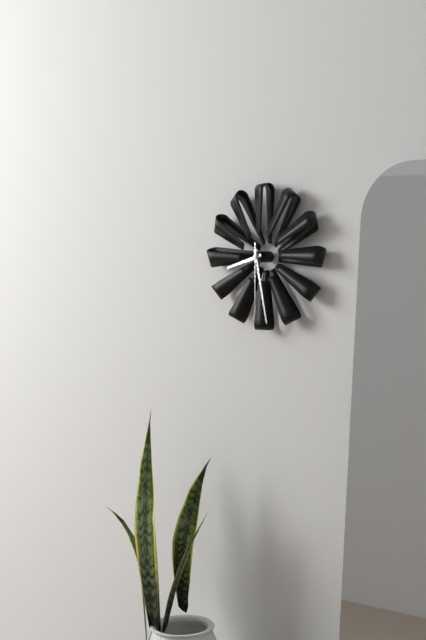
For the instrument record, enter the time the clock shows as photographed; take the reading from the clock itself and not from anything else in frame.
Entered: 8:28:30
